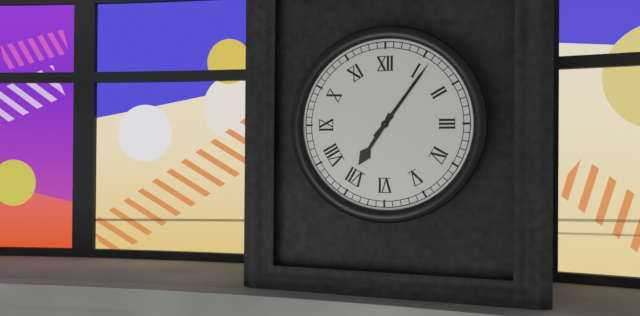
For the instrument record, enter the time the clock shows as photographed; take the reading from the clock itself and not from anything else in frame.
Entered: 7:06
